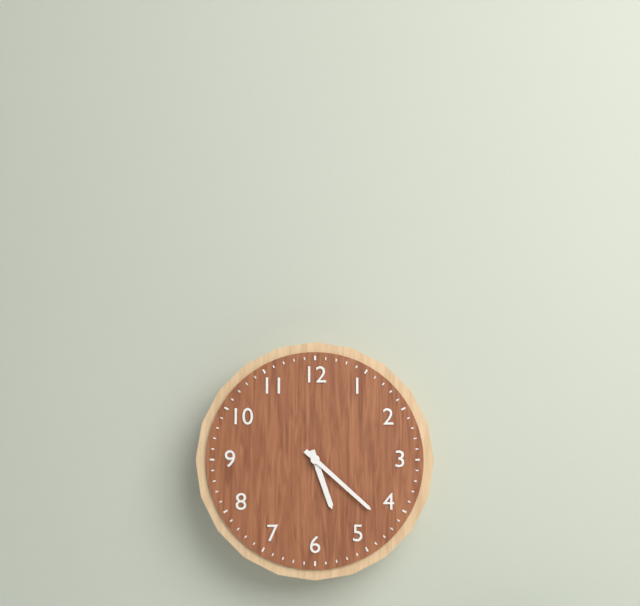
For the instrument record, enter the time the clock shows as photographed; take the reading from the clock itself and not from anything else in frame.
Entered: 5:22
